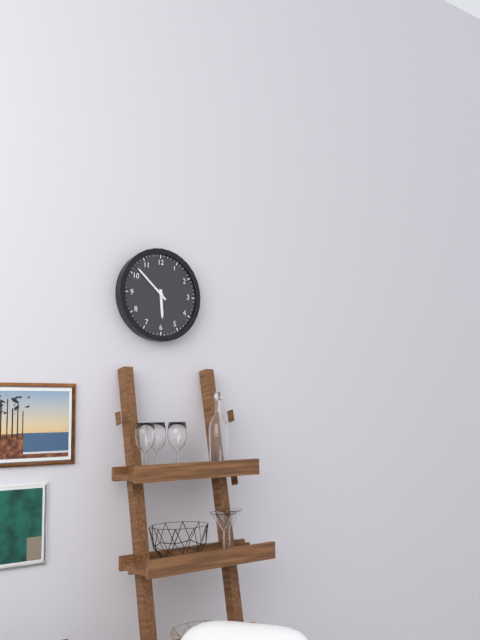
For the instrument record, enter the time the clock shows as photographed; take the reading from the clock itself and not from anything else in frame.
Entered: 5:52
